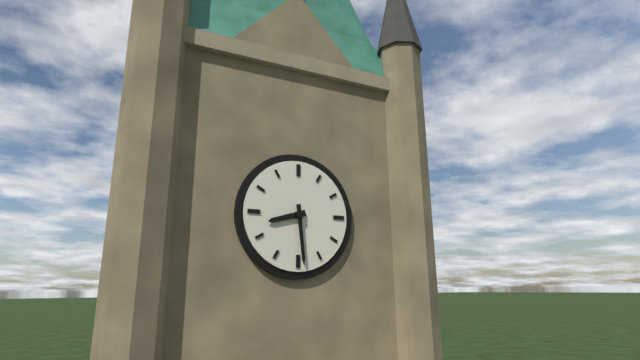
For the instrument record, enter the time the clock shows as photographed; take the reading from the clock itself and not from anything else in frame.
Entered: 8:29
